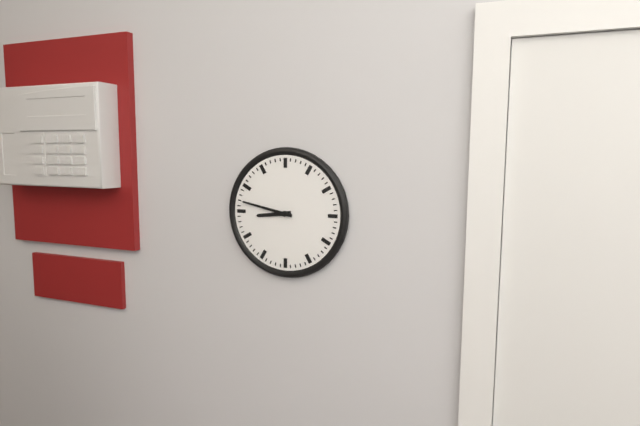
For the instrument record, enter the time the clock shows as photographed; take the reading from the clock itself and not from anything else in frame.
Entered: 8:47
